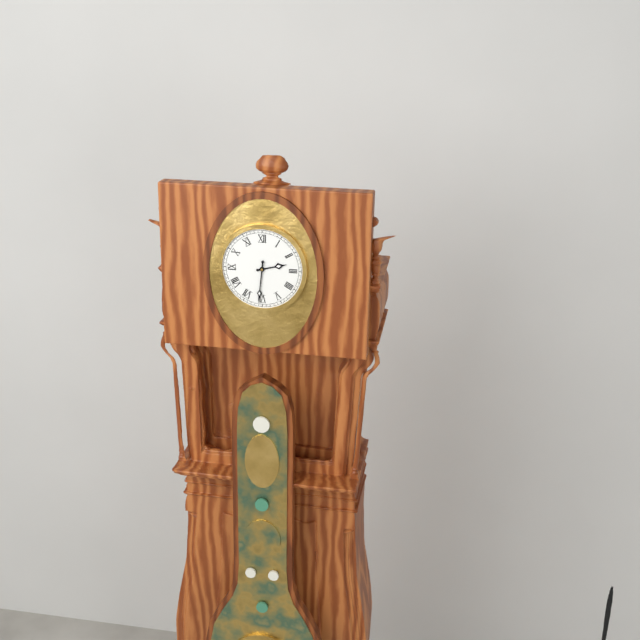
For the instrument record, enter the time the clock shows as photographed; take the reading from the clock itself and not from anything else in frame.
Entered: 2:31
